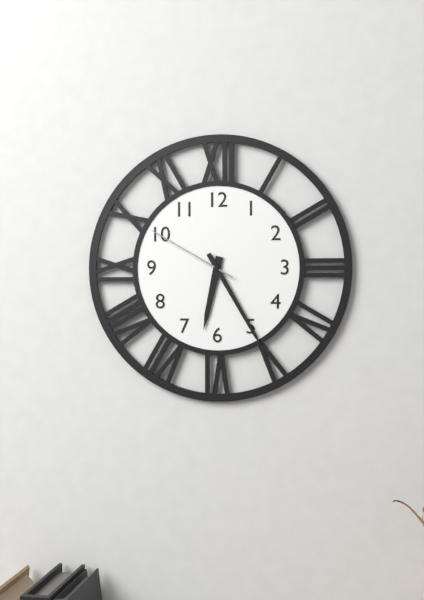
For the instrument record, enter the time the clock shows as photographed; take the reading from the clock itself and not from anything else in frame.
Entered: 6:25:50
